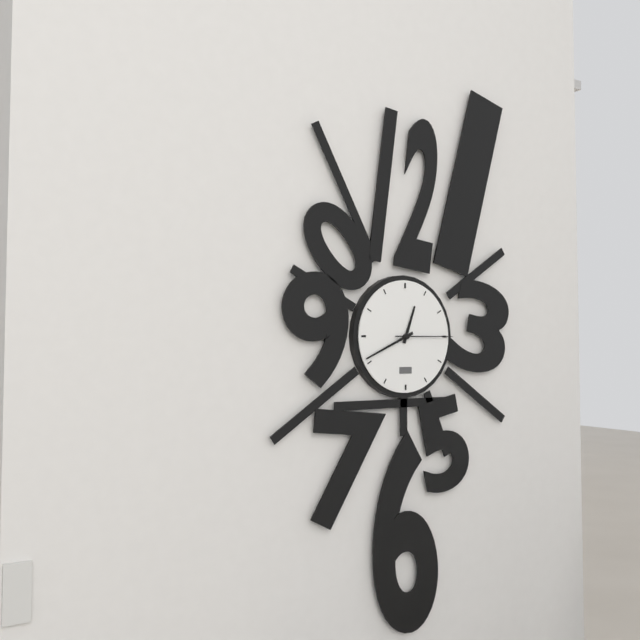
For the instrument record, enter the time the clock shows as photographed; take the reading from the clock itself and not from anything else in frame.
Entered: 12:41:15
